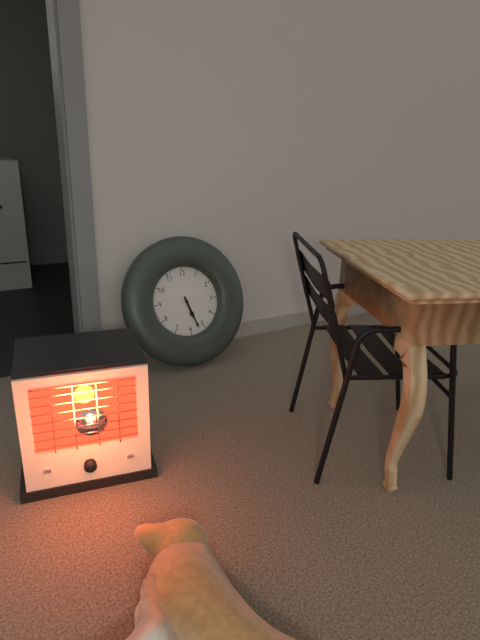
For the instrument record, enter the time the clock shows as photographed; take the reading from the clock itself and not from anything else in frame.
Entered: 5:27
